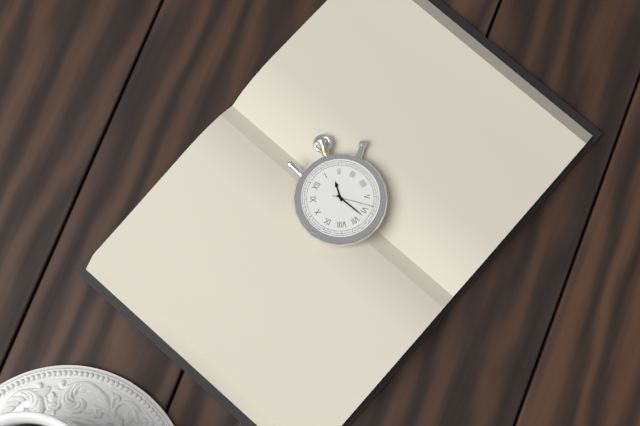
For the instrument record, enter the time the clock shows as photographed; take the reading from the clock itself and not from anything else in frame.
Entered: 1:32
